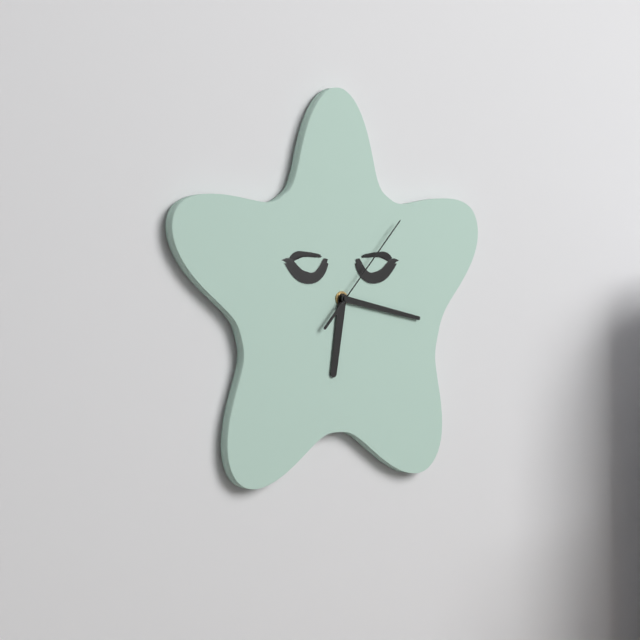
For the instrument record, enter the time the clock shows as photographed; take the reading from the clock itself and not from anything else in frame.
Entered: 6:17:07
